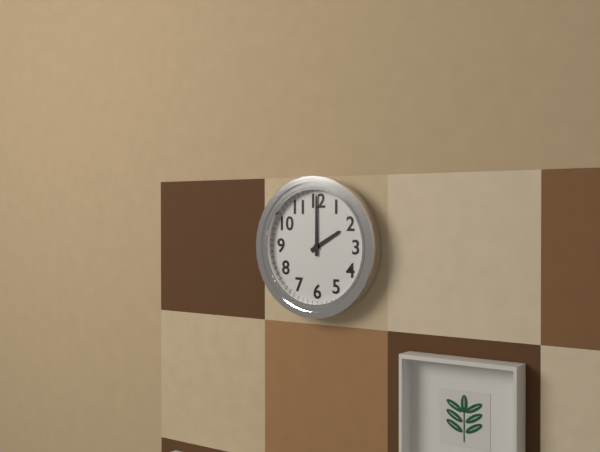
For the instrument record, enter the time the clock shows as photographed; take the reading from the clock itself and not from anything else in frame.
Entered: 2:00
